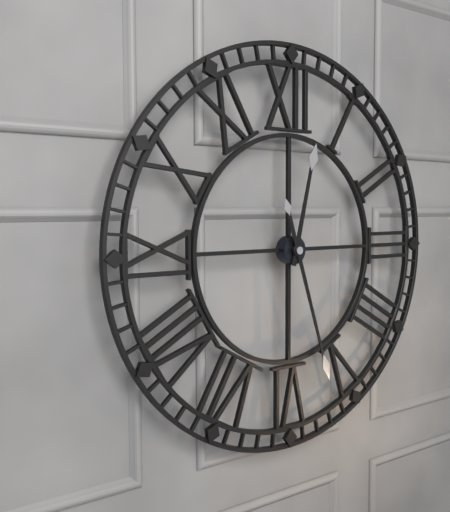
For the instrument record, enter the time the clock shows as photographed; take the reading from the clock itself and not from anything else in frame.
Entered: 12:27
